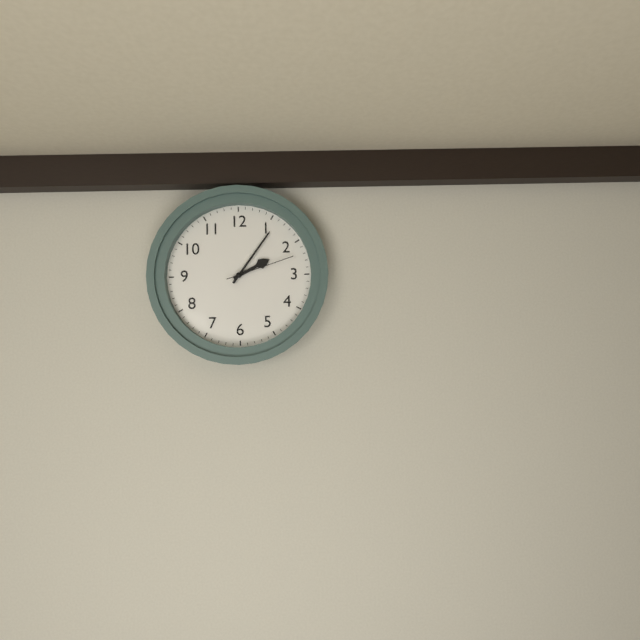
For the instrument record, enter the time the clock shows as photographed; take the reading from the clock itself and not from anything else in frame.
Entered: 2:06:12
